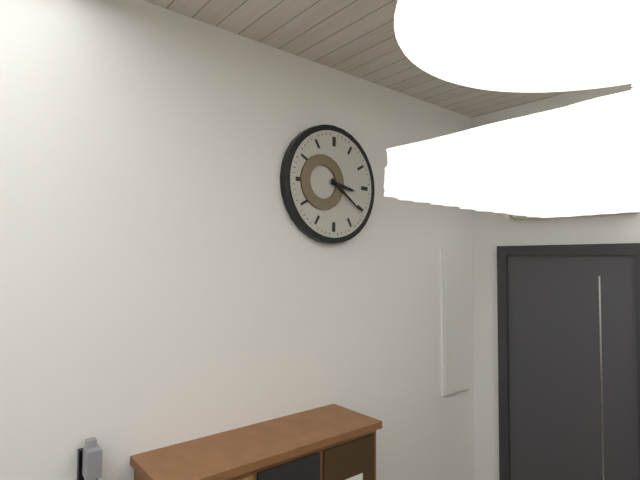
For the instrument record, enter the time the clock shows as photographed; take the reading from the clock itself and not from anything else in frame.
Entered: 3:21
